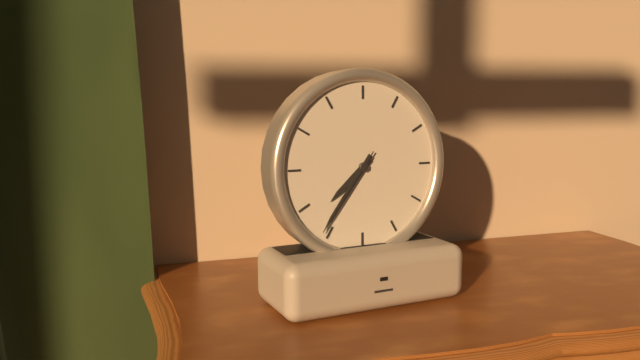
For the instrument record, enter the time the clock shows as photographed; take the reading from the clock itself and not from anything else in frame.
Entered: 7:36:36
